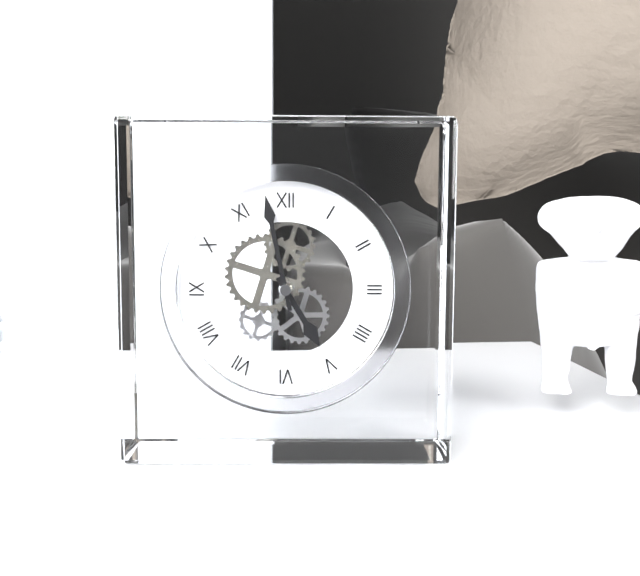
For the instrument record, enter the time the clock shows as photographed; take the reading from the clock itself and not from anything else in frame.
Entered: 4:58
